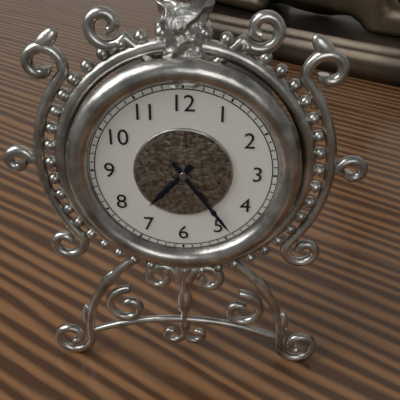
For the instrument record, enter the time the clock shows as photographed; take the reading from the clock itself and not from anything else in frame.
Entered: 7:24
